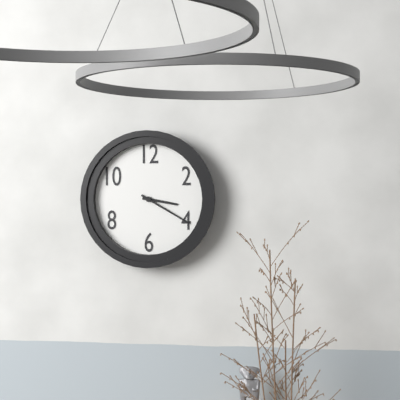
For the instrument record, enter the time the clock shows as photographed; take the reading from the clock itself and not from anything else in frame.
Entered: 3:20
